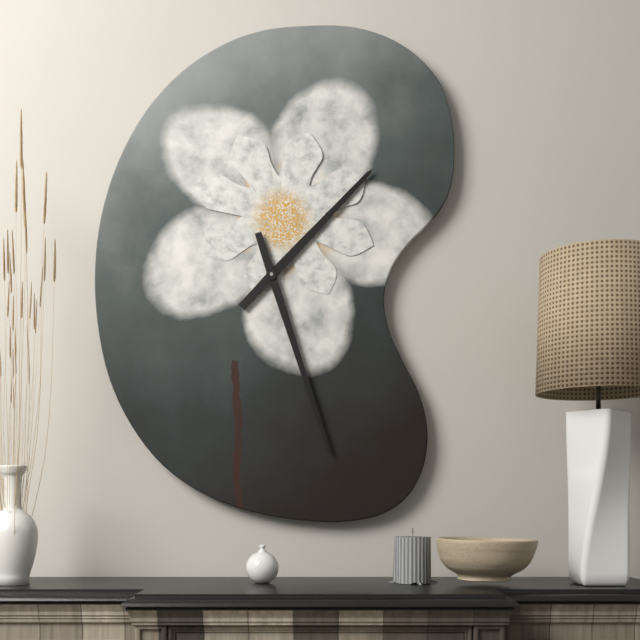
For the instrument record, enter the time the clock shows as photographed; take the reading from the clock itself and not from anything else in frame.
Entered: 1:27
